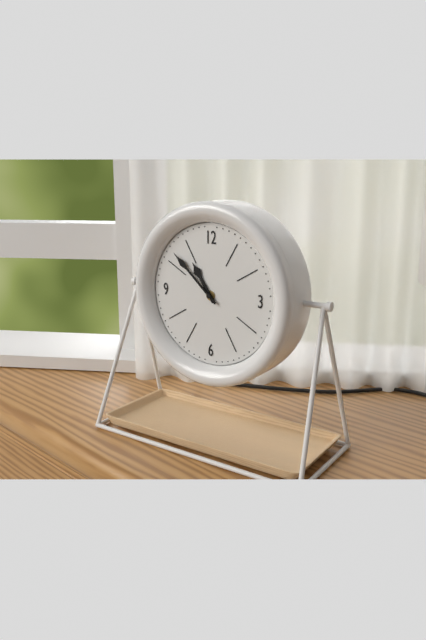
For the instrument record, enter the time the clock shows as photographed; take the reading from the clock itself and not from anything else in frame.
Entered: 10:52
